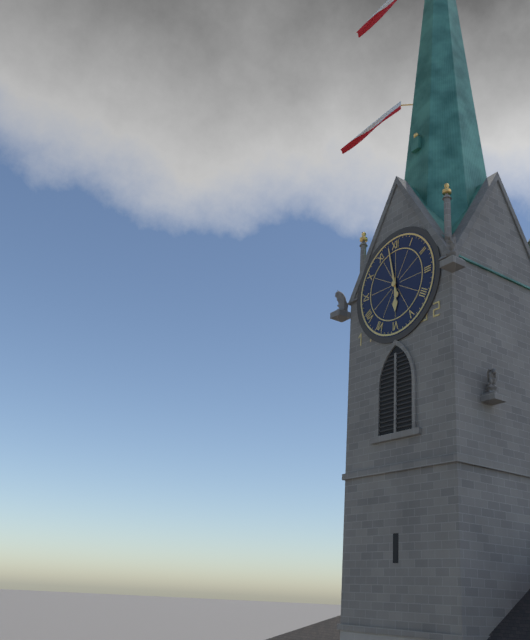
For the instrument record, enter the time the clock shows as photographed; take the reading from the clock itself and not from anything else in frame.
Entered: 5:58
